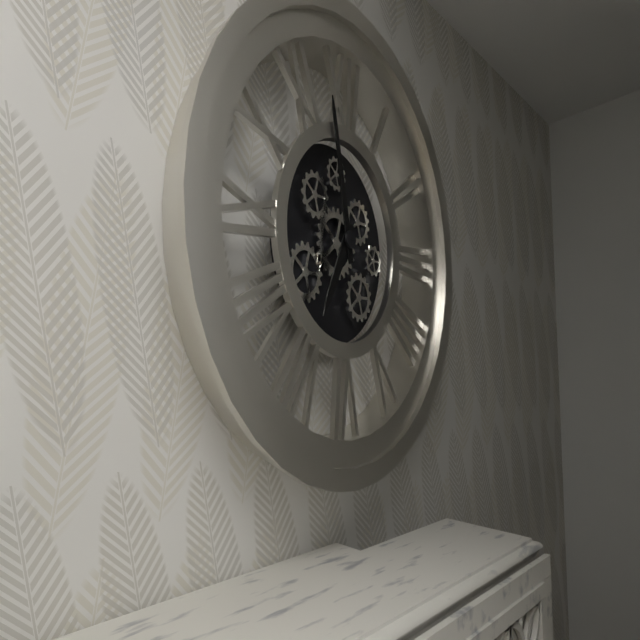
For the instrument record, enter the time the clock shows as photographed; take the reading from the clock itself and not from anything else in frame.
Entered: 6:58
